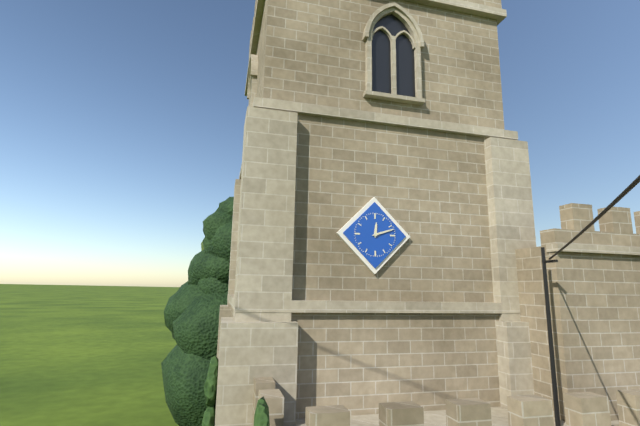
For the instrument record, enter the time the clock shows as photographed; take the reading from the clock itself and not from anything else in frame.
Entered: 12:12
